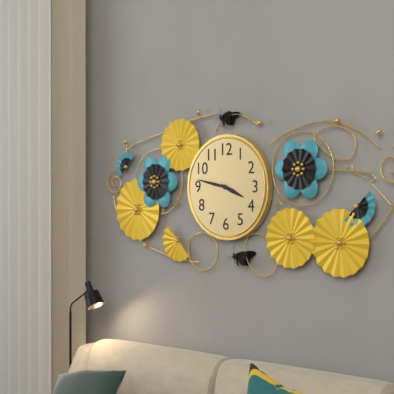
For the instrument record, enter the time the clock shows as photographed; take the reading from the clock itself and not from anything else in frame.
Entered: 3:47
